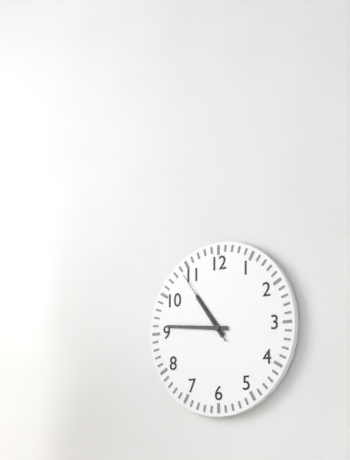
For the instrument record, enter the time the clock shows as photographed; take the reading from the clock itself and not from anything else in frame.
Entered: 10:46:54
